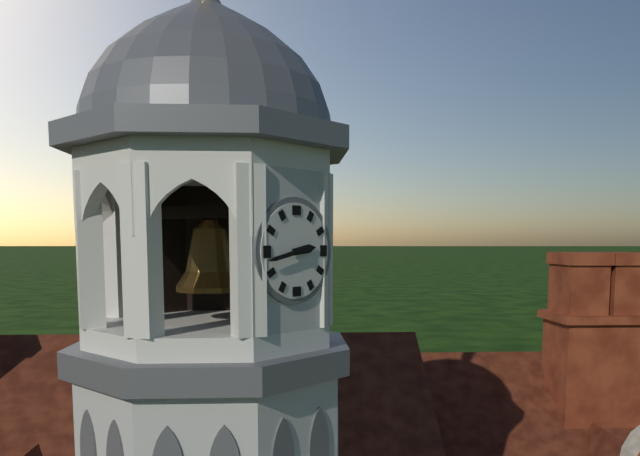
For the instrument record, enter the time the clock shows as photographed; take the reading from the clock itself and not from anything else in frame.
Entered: 2:43
